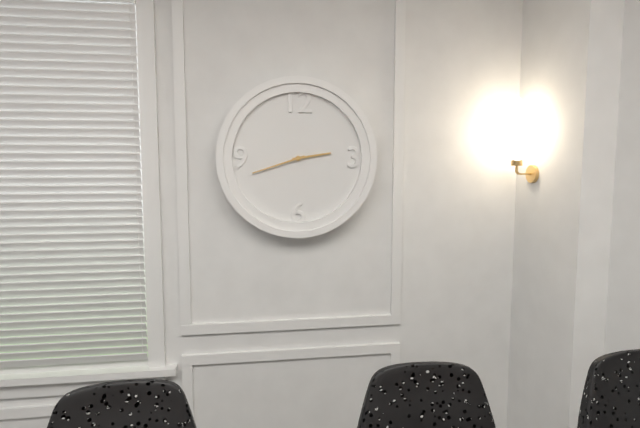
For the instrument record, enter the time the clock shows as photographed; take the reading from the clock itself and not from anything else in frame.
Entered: 2:42
